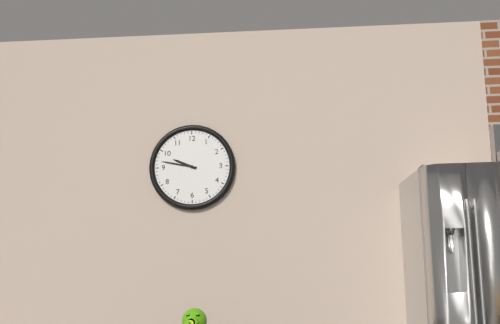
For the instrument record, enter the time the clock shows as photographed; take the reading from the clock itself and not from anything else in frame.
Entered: 9:47
